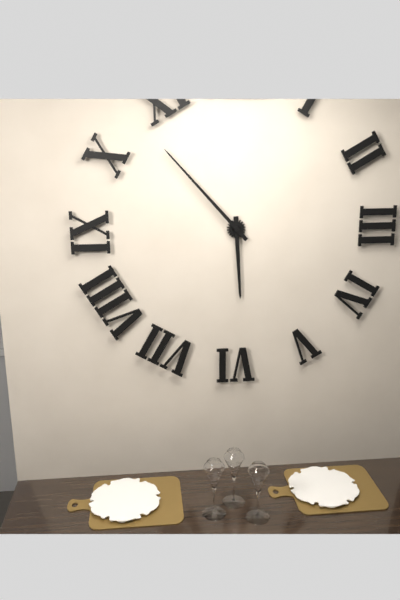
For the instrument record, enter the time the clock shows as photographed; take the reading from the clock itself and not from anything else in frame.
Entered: 5:53
